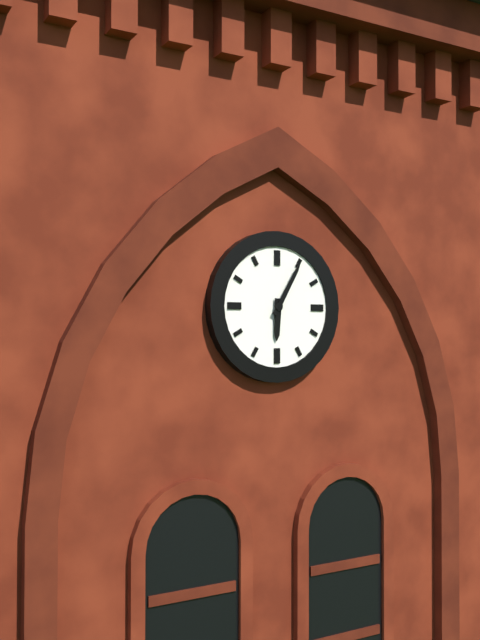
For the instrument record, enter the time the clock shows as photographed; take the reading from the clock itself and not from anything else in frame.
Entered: 6:05
